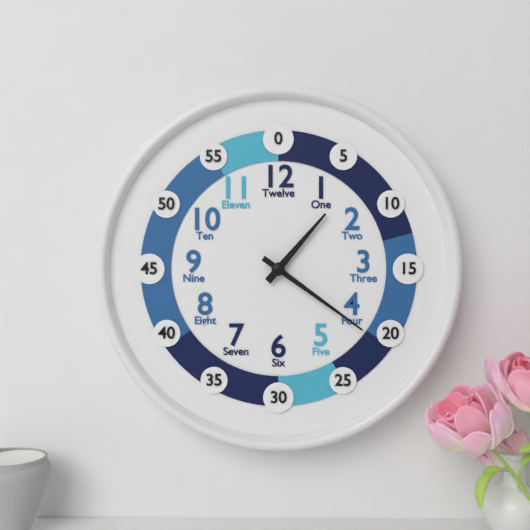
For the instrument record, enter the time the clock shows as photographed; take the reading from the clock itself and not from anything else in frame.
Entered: 1:21
